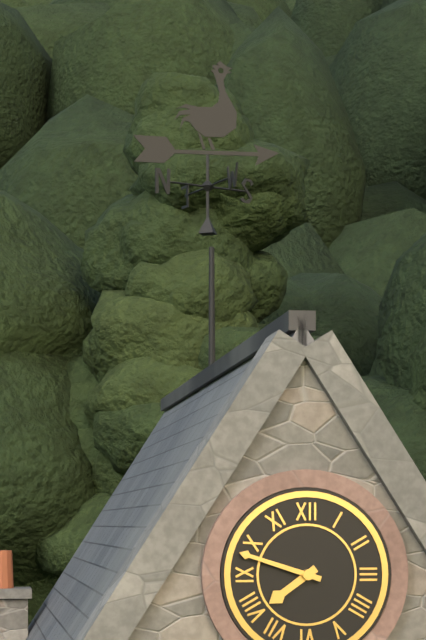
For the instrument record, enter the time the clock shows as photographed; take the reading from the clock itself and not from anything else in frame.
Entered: 7:48
